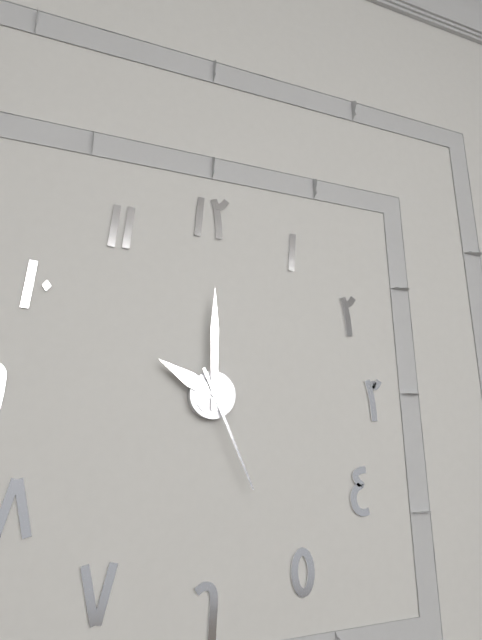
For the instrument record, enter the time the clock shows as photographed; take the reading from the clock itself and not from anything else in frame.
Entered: 10:00:26
